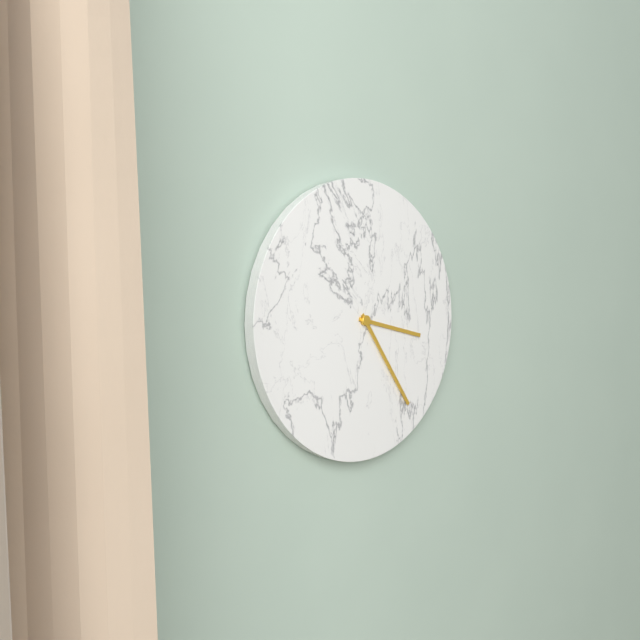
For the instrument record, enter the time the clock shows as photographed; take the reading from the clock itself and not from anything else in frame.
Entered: 3:24
